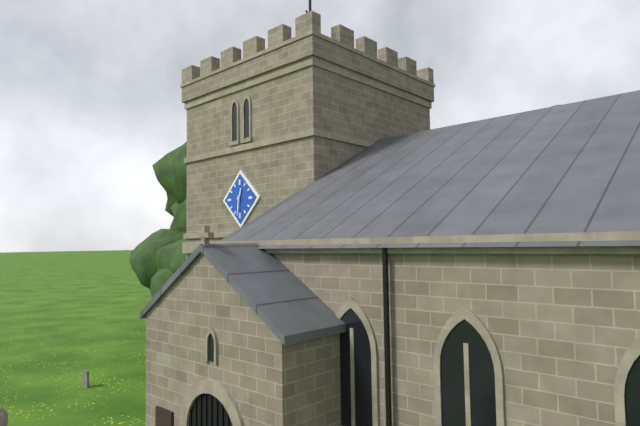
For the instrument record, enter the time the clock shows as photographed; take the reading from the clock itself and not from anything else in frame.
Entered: 12:31
